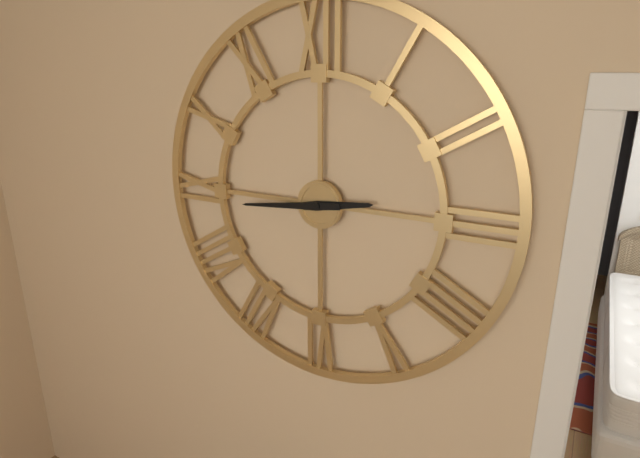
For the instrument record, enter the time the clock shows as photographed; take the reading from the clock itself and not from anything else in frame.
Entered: 2:44
